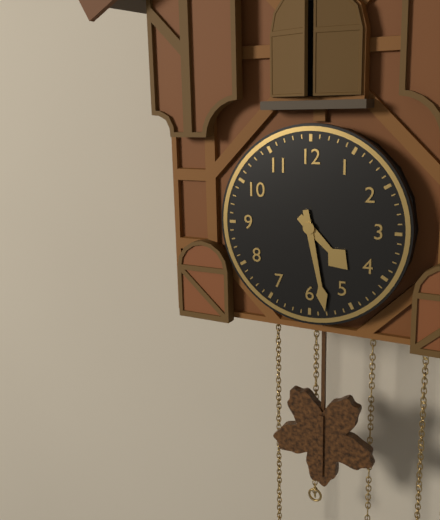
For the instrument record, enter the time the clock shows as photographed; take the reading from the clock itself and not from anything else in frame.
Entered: 4:28
